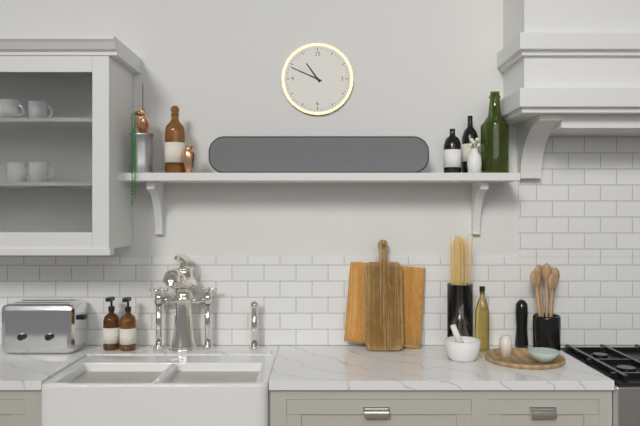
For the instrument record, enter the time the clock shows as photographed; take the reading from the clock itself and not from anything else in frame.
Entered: 10:49
